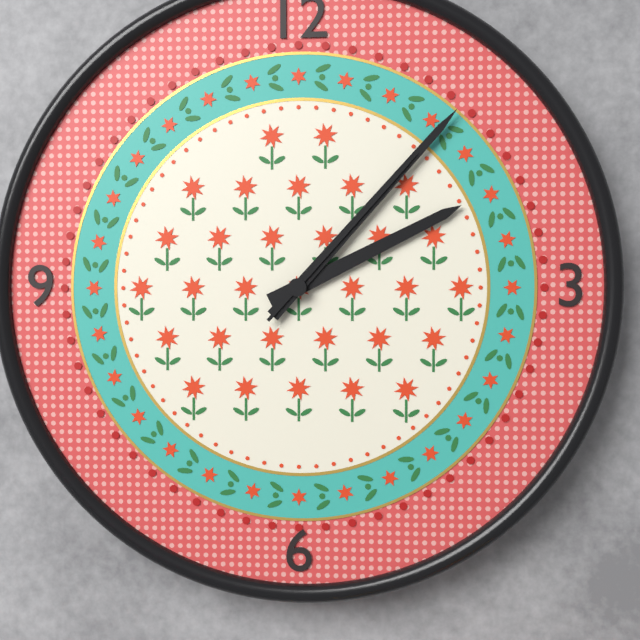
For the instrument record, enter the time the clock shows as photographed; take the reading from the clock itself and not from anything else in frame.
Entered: 2:07:07
